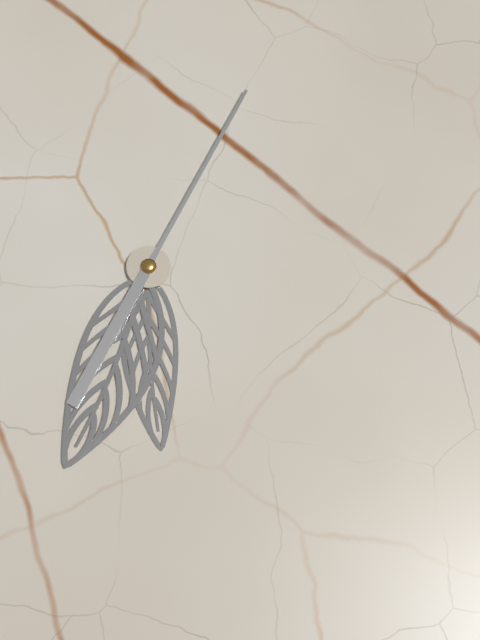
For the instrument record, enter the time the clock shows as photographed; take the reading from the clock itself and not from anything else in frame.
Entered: 1:10:41
